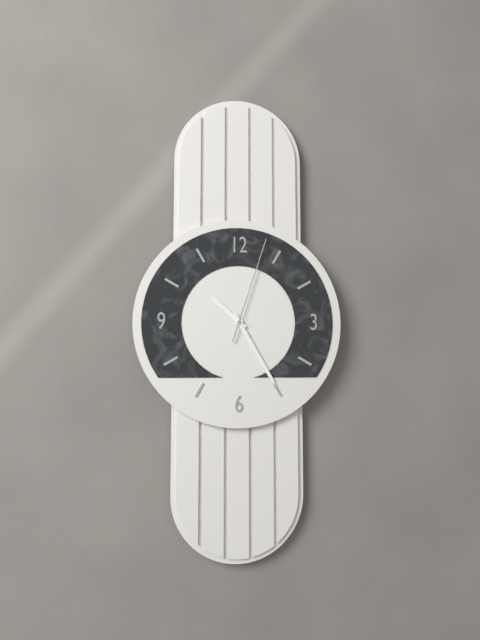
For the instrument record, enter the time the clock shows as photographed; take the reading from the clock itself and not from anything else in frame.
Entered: 10:25:03
